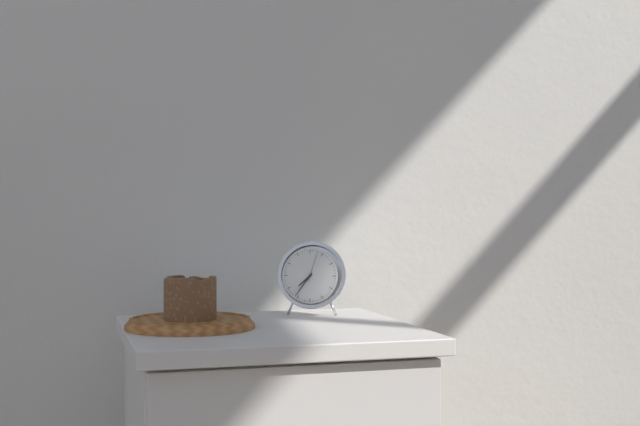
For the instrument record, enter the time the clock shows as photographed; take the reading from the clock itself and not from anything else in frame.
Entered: 7:36
